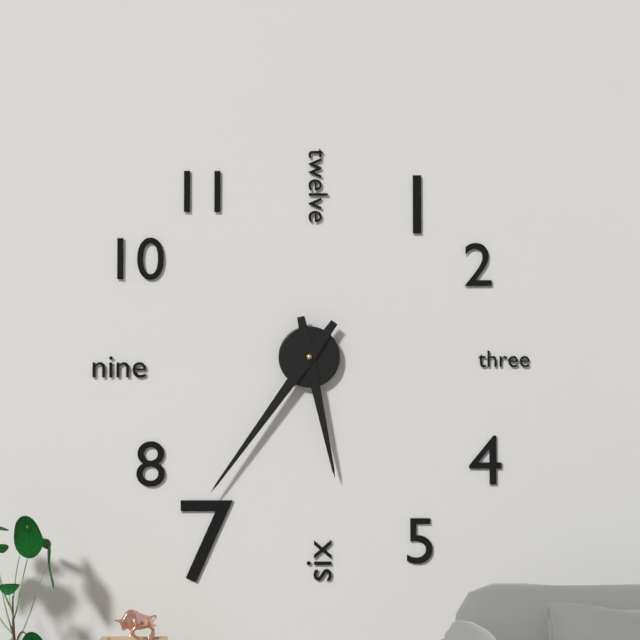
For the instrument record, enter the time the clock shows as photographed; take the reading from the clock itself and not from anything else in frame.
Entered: 5:36
